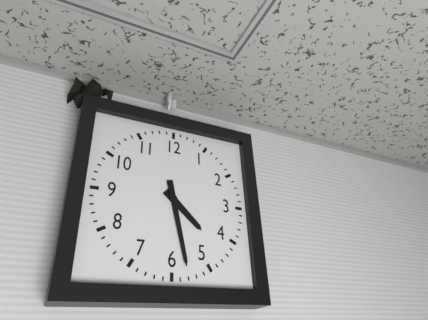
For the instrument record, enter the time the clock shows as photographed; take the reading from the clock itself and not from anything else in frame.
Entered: 4:28
